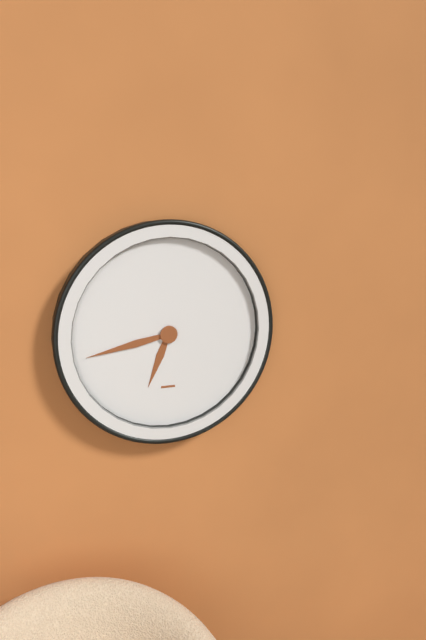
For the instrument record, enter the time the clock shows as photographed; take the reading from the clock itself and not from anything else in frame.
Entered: 6:43
